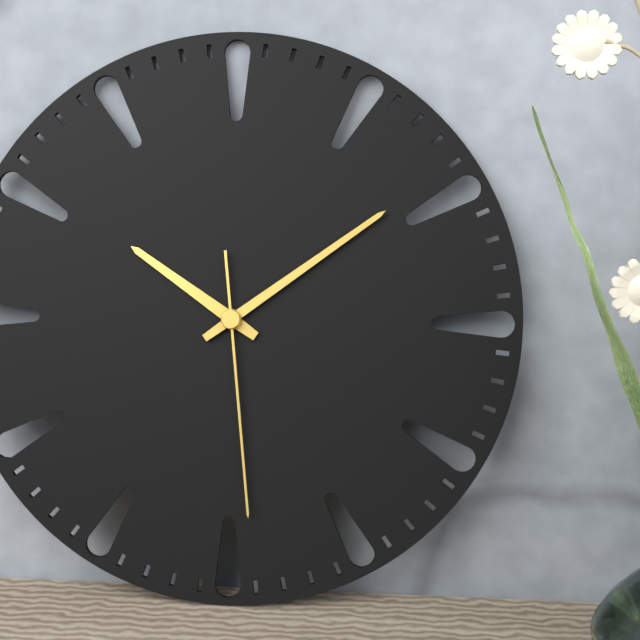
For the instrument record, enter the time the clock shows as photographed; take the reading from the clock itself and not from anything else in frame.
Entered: 10:09:29
